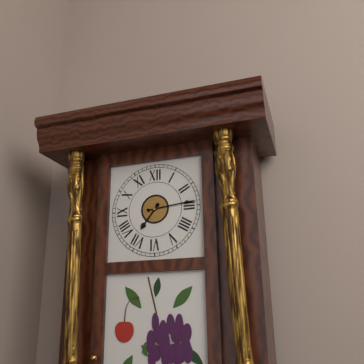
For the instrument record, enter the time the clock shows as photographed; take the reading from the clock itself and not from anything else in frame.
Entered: 7:14
